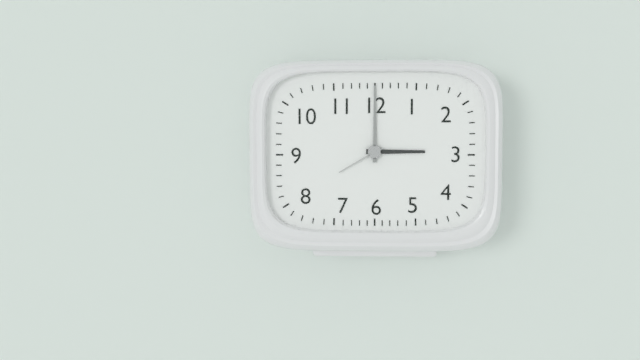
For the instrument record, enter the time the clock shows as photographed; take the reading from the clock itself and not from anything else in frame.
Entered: 3:00:40
